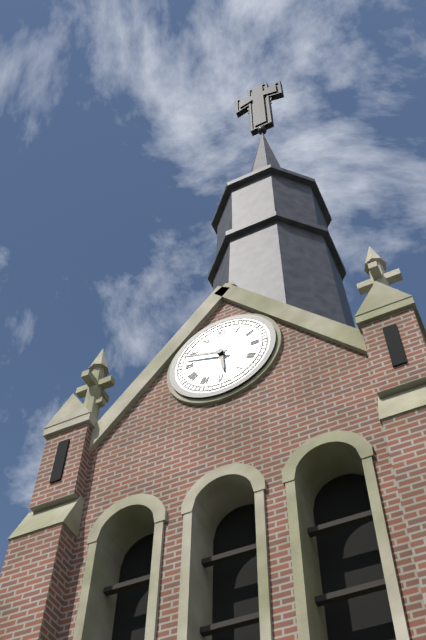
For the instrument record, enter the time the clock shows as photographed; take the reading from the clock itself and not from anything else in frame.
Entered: 5:48
